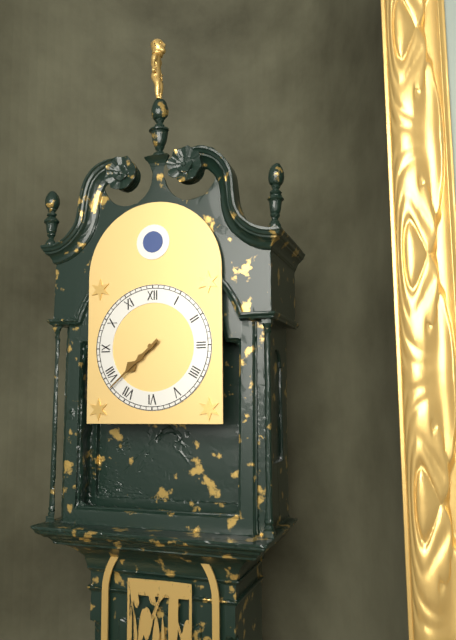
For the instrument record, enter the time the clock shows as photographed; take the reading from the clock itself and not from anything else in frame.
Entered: 7:38
